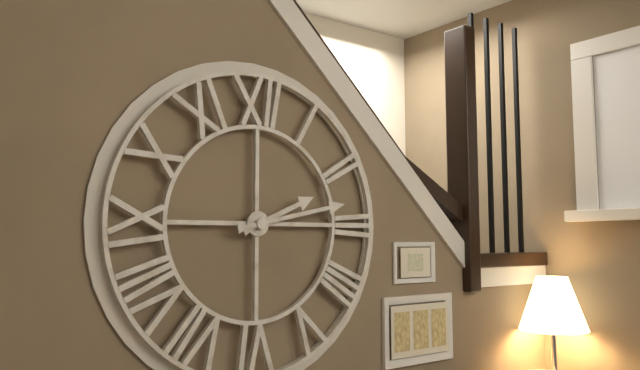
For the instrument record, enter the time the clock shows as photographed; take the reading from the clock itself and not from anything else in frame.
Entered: 2:13
